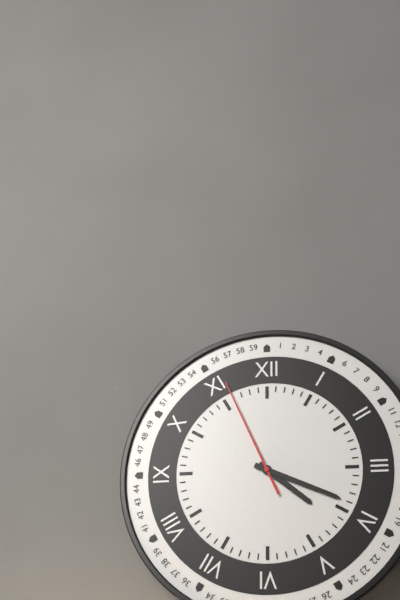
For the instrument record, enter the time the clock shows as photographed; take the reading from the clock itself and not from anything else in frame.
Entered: 4:19:56
